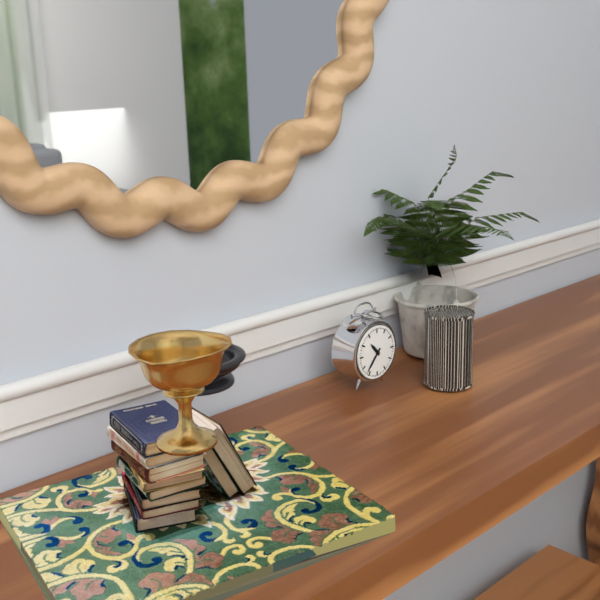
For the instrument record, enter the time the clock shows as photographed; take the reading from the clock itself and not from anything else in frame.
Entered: 10:37
